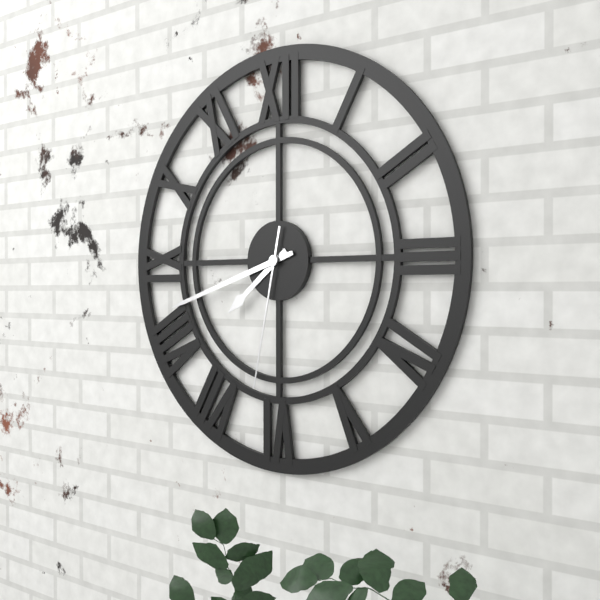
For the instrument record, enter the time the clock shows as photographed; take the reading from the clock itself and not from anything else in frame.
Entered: 7:42:32
